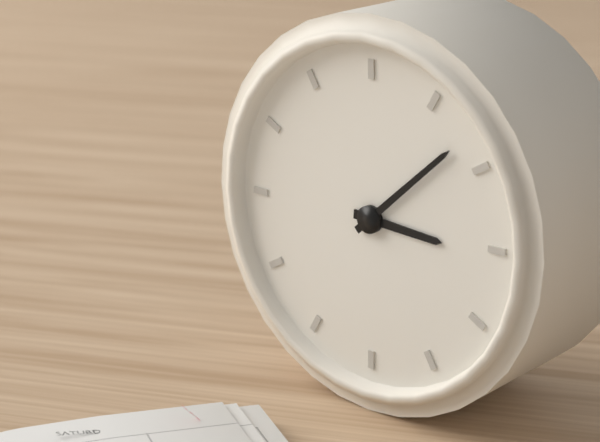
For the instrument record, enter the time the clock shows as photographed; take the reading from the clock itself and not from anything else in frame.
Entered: 3:08
